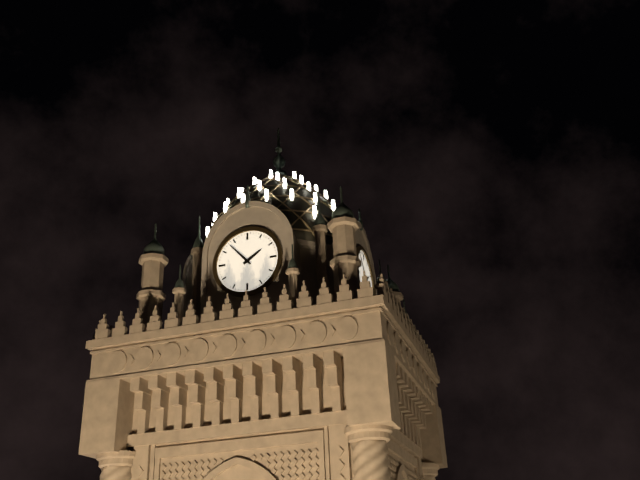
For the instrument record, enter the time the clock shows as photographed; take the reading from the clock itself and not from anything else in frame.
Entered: 1:53
